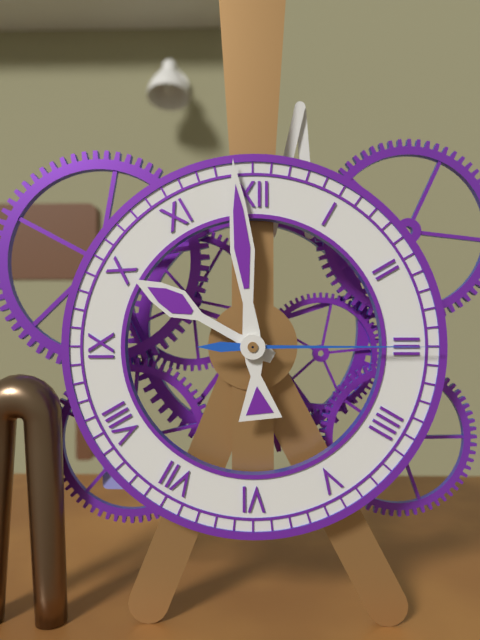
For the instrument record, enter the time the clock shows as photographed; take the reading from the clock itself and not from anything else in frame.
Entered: 9:59:15
